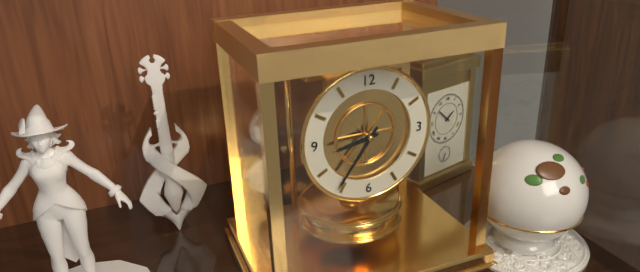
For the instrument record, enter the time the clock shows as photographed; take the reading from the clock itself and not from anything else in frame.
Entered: 8:36
